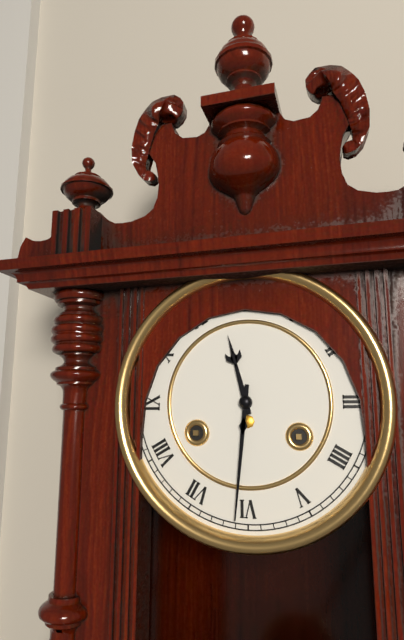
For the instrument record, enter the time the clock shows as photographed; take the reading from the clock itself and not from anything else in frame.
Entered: 11:31
